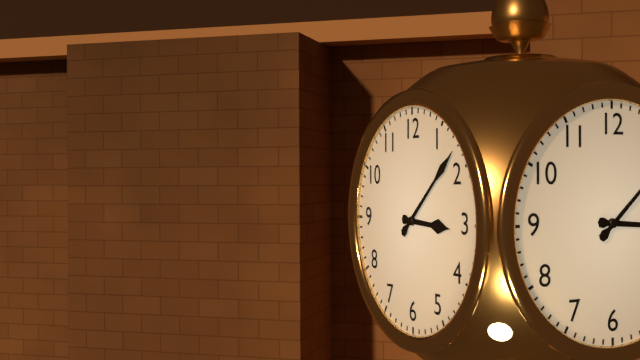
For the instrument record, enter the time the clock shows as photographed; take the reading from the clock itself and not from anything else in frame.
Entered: 3:08
